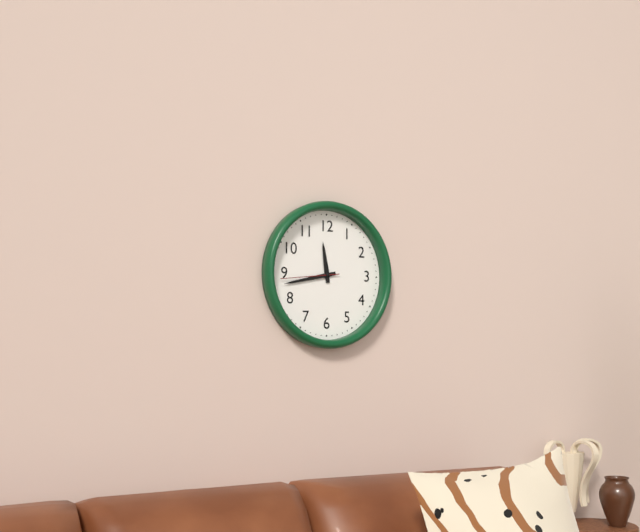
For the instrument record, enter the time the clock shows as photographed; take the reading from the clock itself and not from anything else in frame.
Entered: 11:43:44
